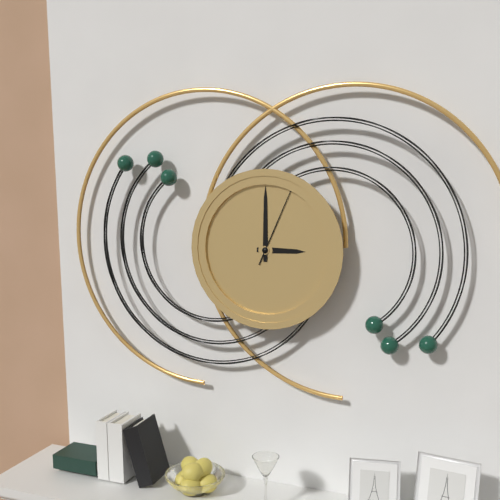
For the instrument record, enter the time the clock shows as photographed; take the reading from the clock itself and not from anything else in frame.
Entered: 3:00:04
